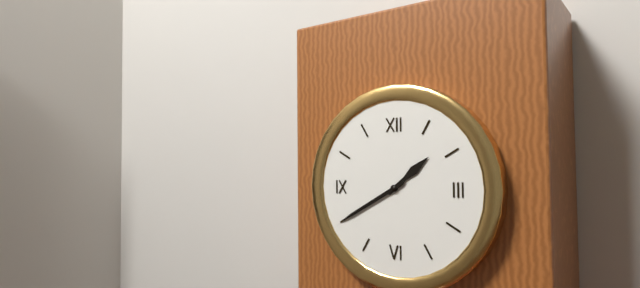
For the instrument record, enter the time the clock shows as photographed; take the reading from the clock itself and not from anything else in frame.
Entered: 1:40
